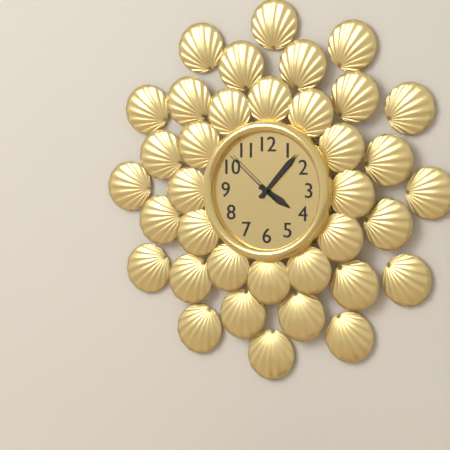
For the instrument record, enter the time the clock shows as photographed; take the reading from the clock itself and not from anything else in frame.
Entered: 4:07:52
